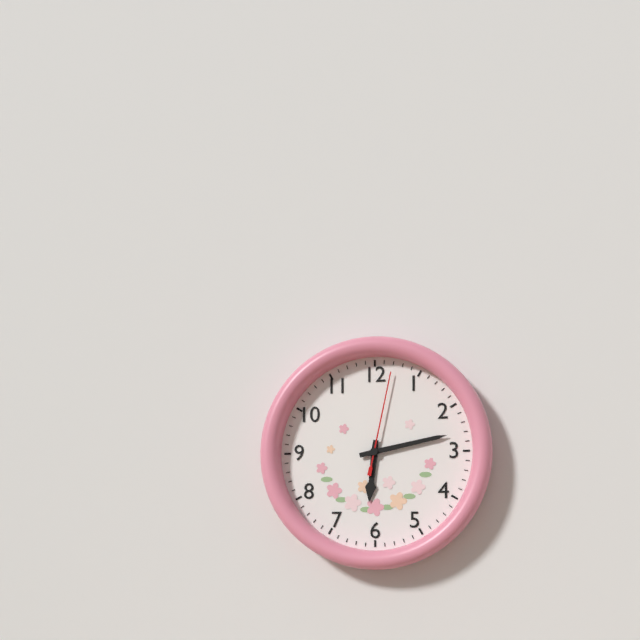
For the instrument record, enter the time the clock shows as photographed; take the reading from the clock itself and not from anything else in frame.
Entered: 6:13:02
